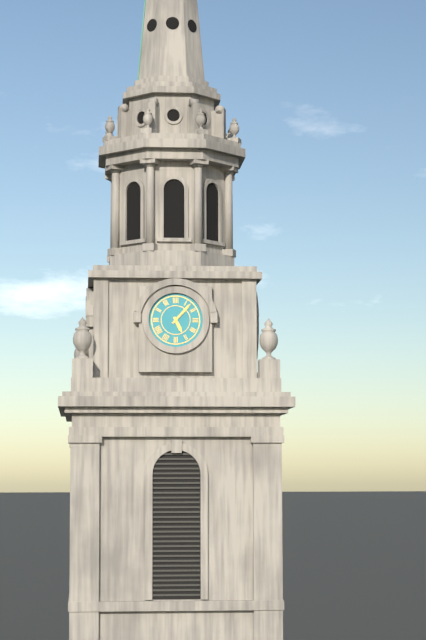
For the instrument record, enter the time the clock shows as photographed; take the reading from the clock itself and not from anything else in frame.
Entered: 5:07
